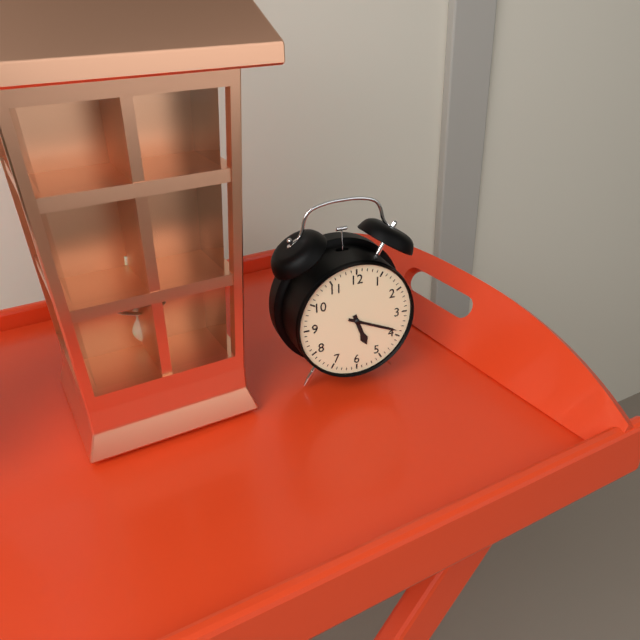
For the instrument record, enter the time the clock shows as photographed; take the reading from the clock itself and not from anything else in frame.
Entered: 5:19
